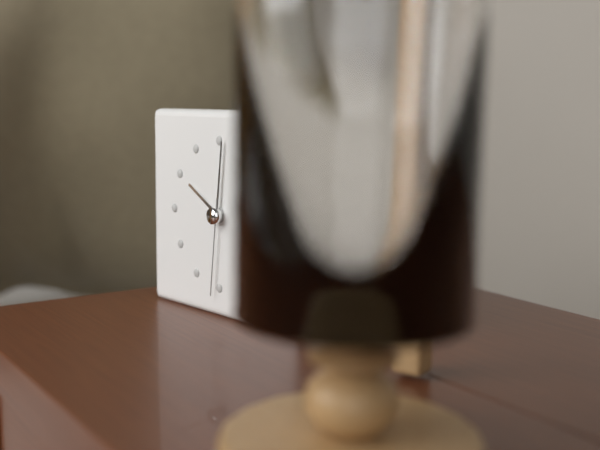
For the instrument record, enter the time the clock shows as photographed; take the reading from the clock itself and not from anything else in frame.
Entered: 10:01:31
